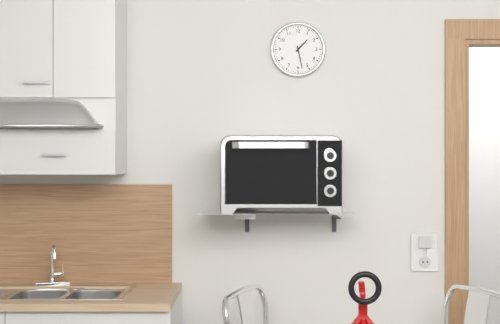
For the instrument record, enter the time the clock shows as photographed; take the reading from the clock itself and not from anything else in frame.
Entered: 1:28
